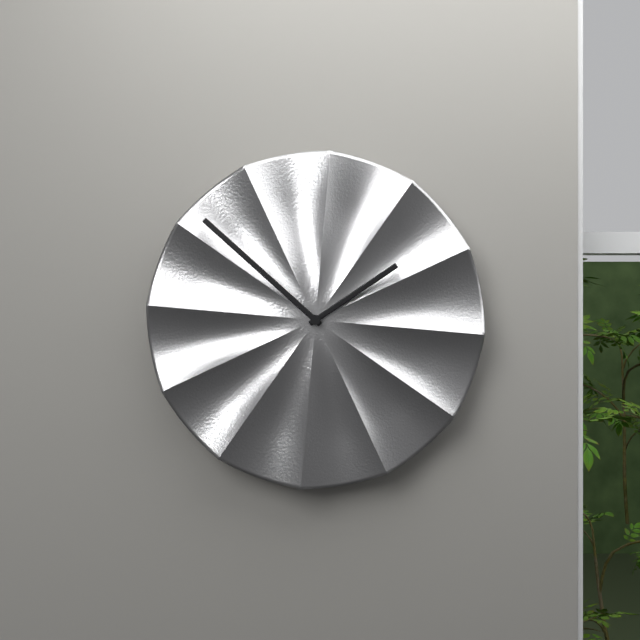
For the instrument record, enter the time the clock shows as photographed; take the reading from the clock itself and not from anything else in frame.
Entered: 1:52
